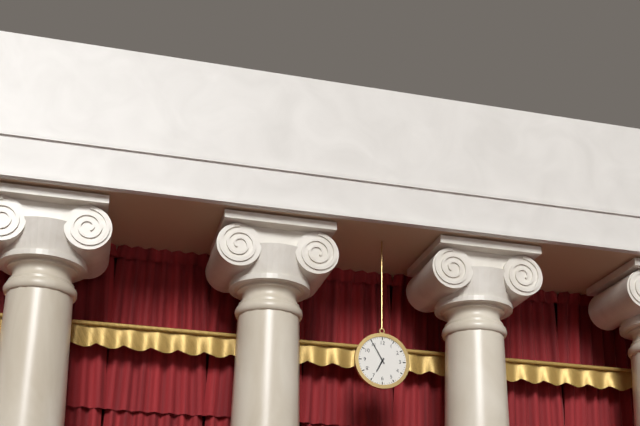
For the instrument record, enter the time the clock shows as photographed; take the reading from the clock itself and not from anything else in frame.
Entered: 6:55
